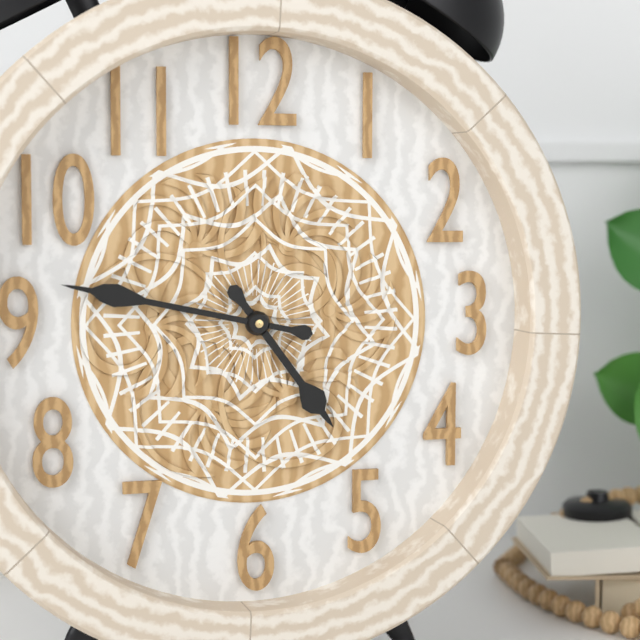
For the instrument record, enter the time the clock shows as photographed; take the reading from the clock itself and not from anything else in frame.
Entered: 4:47
